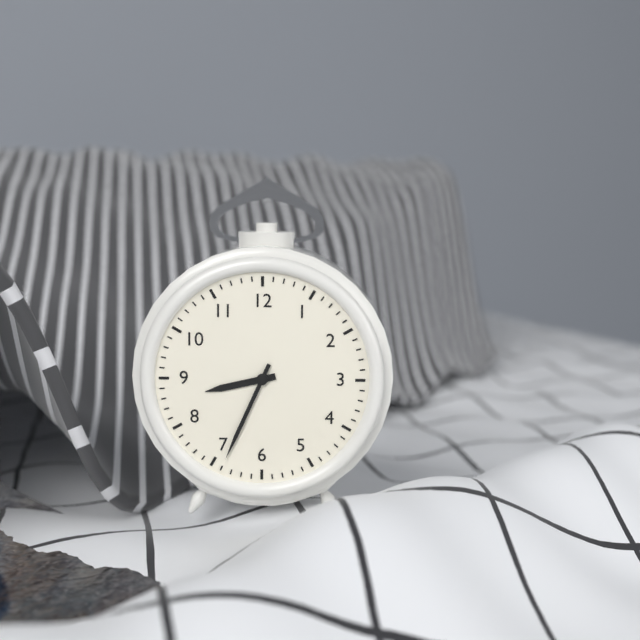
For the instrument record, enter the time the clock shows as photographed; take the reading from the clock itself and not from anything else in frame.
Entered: 8:34
